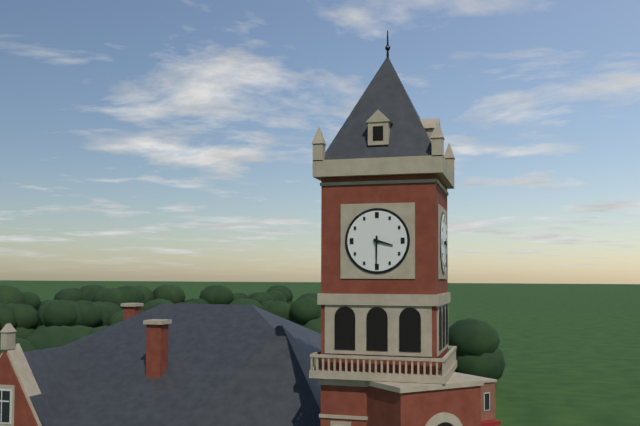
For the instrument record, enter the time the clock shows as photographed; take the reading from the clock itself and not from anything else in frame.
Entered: 3:30
